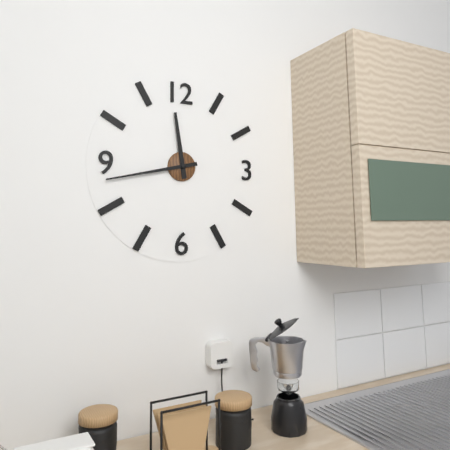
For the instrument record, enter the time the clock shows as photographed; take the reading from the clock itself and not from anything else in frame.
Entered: 11:43
